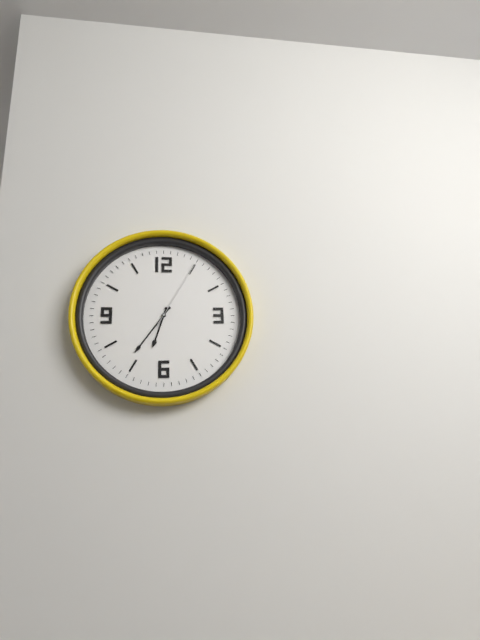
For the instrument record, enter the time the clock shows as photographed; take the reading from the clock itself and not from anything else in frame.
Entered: 6:36:05
